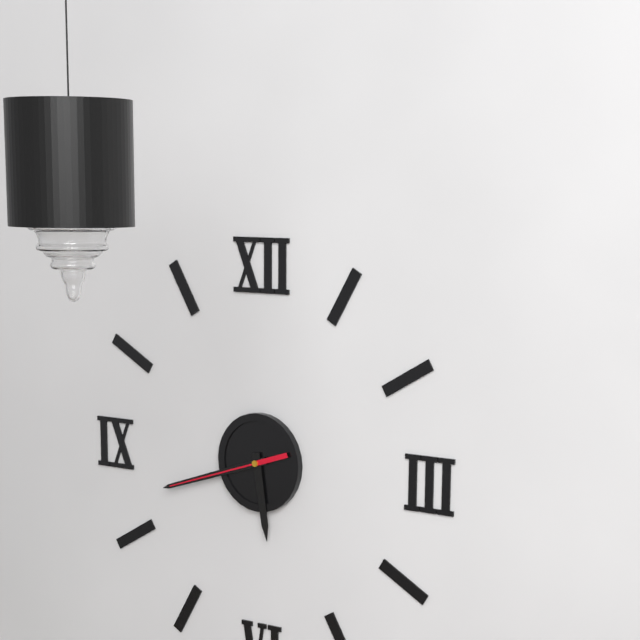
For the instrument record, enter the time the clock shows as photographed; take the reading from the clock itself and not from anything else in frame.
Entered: 5:42:42
